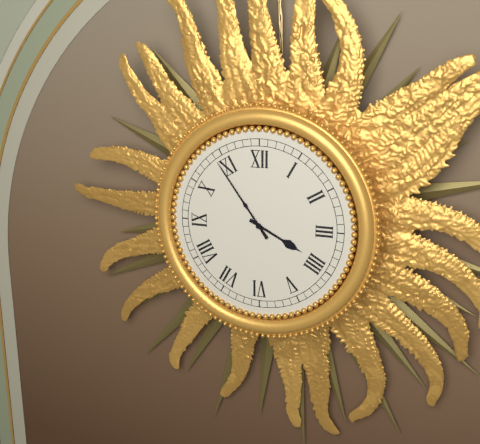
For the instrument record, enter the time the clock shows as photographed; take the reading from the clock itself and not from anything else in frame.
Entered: 3:54
